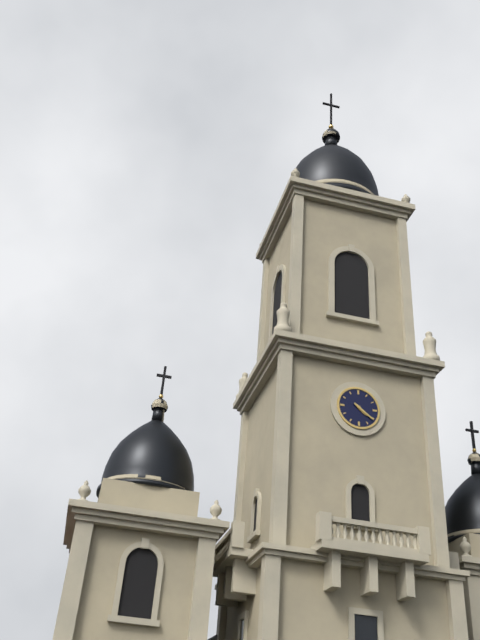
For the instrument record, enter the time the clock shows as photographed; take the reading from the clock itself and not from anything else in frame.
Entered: 4:21
